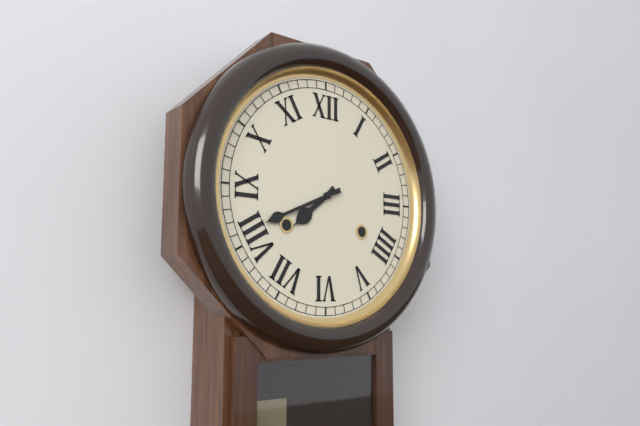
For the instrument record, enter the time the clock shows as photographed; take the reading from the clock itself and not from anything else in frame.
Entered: 7:41
